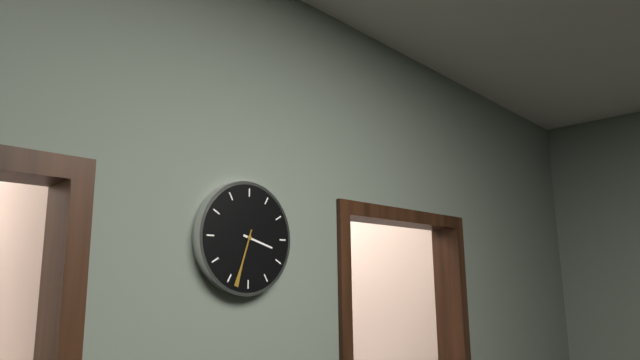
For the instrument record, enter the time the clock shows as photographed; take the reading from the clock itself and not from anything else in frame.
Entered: 3:33
